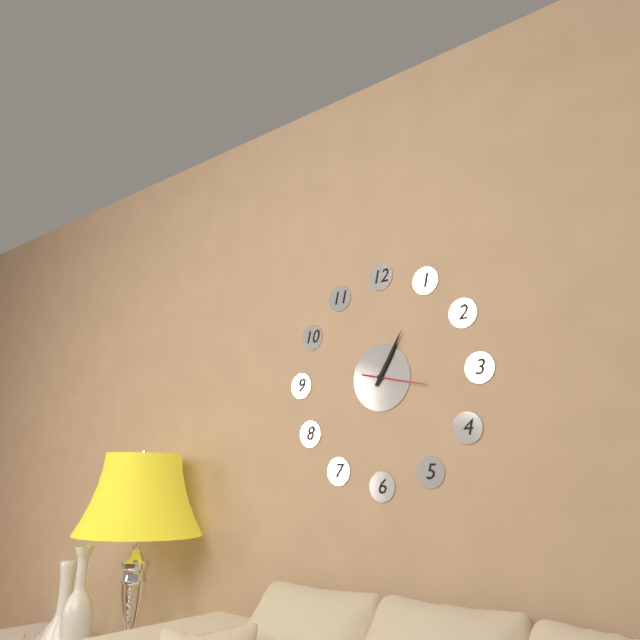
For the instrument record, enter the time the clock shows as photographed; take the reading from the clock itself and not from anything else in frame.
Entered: 1:05:17
